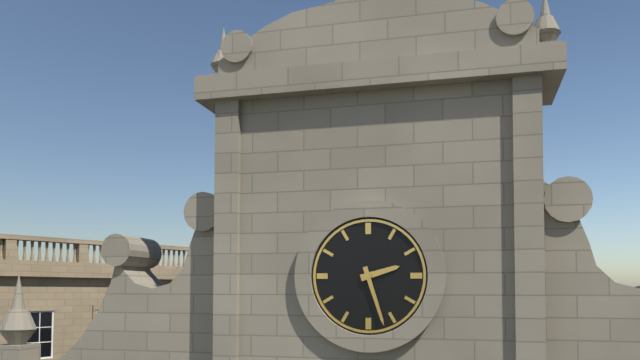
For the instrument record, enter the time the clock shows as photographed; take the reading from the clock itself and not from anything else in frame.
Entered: 2:27
